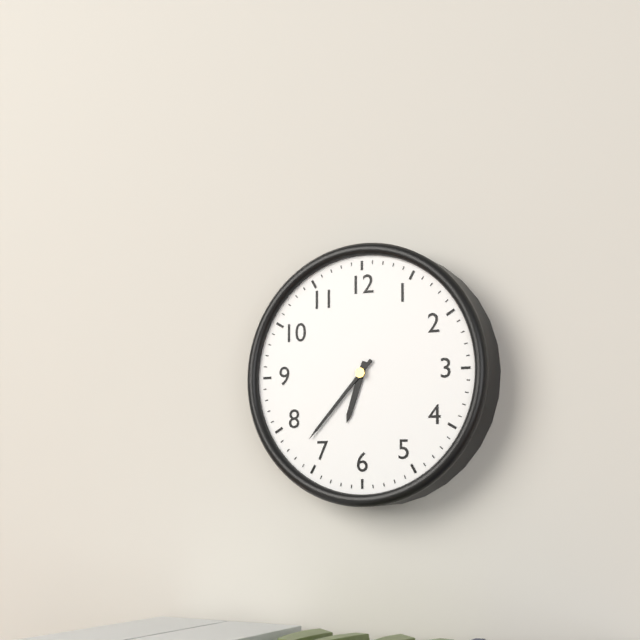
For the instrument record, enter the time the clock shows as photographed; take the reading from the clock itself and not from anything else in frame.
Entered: 6:37
